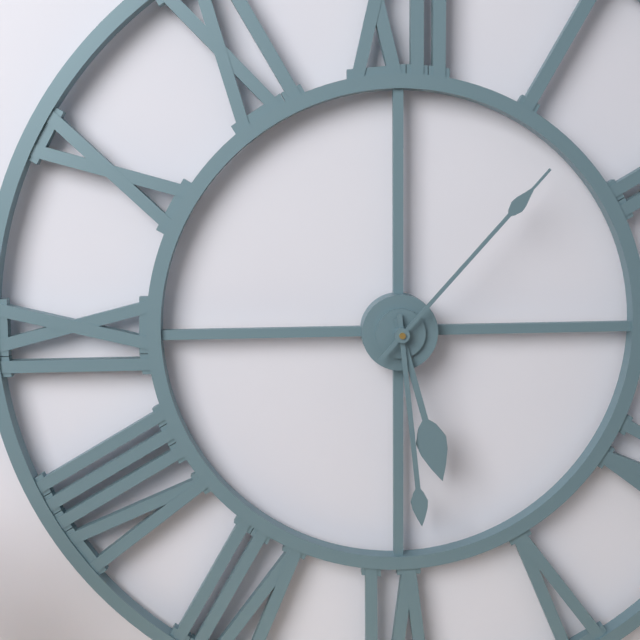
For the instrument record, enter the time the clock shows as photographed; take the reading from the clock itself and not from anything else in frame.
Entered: 5:29:07
